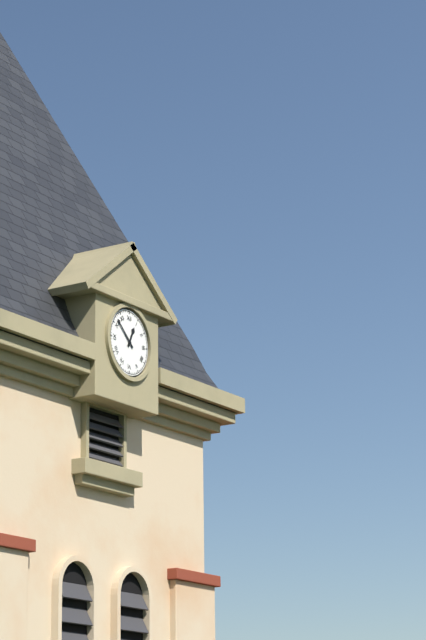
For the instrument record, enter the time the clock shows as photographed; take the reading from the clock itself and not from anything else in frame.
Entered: 12:52
